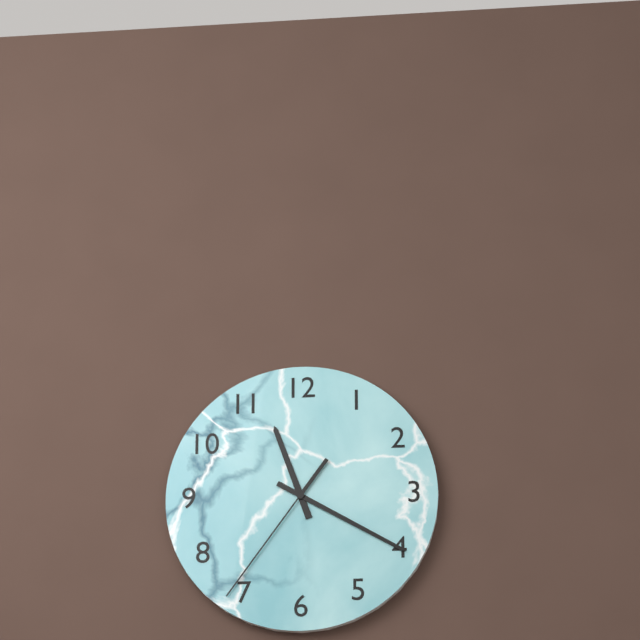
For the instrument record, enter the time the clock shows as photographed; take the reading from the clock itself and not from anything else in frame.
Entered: 11:20:36
